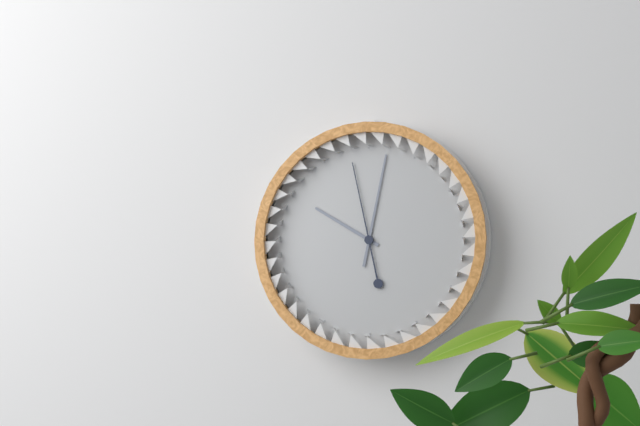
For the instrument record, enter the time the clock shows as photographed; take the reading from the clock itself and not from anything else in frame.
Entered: 10:02:58
